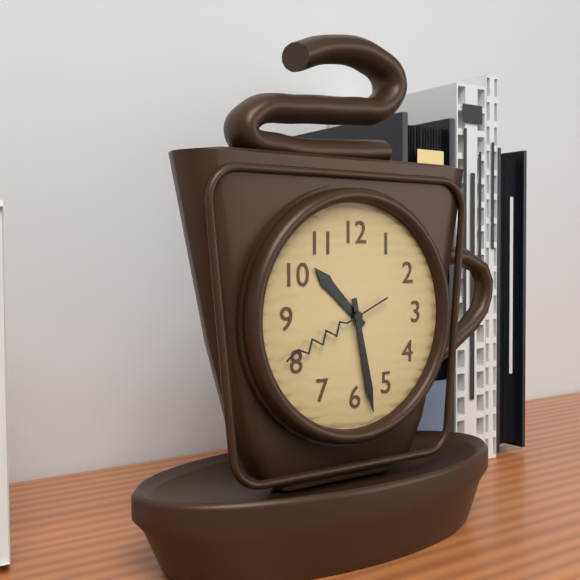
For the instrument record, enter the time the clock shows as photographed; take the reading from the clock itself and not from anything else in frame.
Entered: 10:28:41
